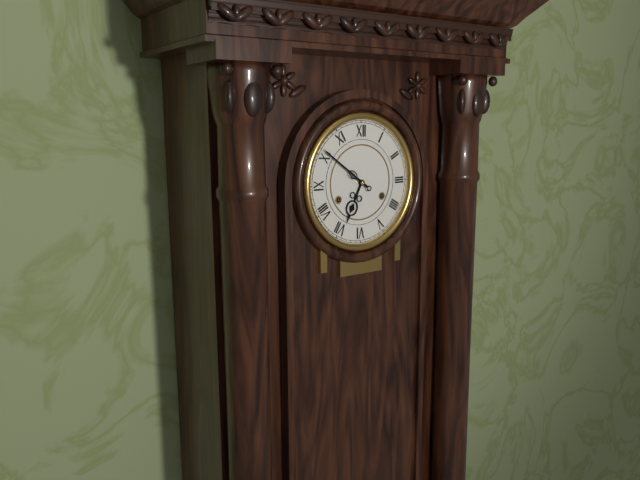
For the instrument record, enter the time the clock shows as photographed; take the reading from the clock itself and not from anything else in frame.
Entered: 6:51
